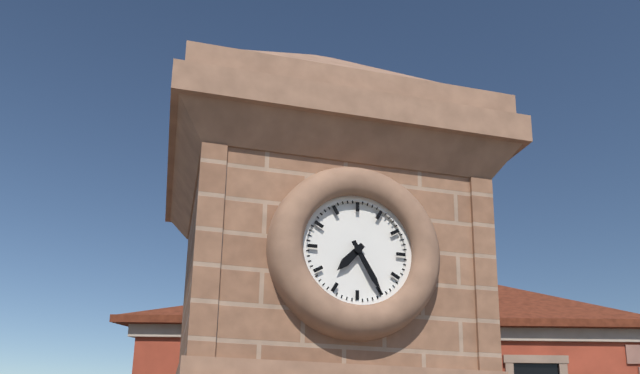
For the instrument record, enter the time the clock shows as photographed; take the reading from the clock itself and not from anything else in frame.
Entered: 7:25
